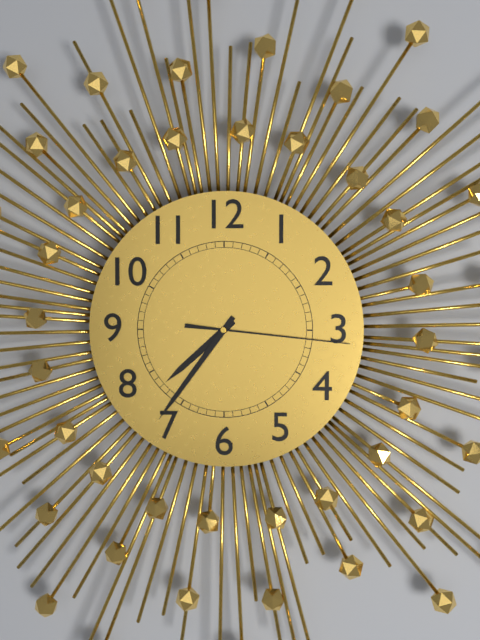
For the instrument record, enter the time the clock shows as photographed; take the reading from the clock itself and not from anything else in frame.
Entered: 7:36:16
